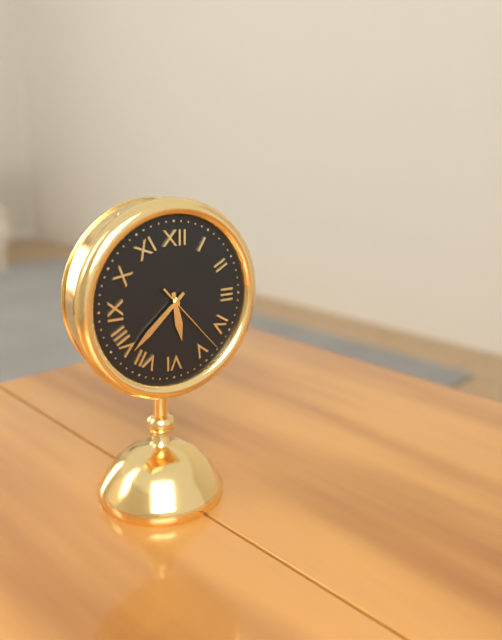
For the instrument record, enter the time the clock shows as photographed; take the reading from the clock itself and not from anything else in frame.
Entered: 5:38:23
